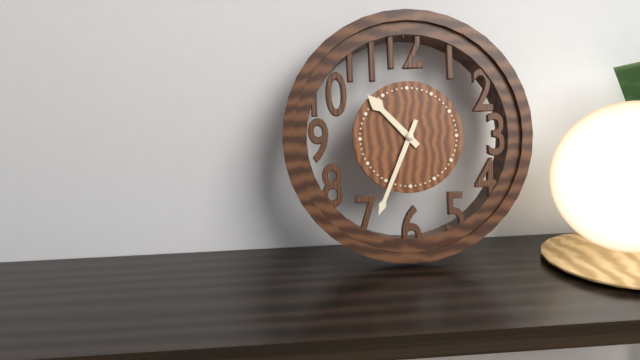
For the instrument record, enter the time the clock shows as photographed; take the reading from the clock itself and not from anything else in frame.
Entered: 10:34
